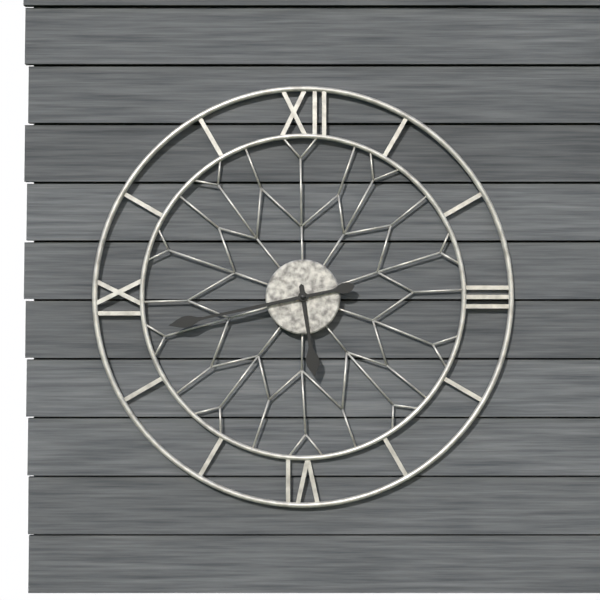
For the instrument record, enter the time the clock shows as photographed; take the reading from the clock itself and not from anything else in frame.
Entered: 5:43
